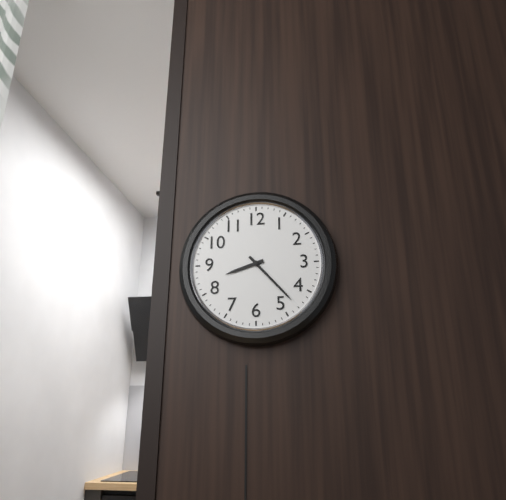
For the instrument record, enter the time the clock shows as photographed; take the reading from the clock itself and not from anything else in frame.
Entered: 8:23
